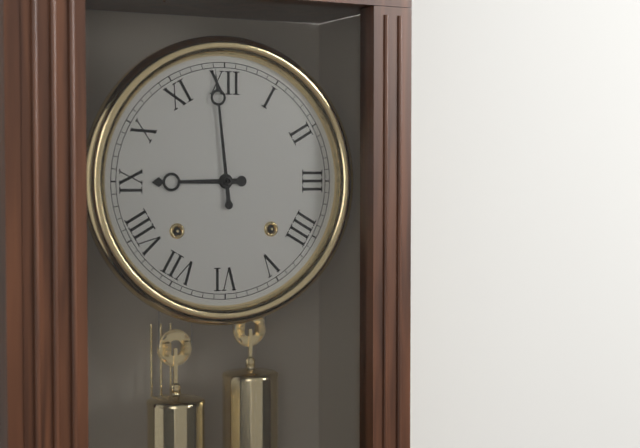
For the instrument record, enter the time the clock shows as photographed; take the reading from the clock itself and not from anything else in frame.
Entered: 8:59
